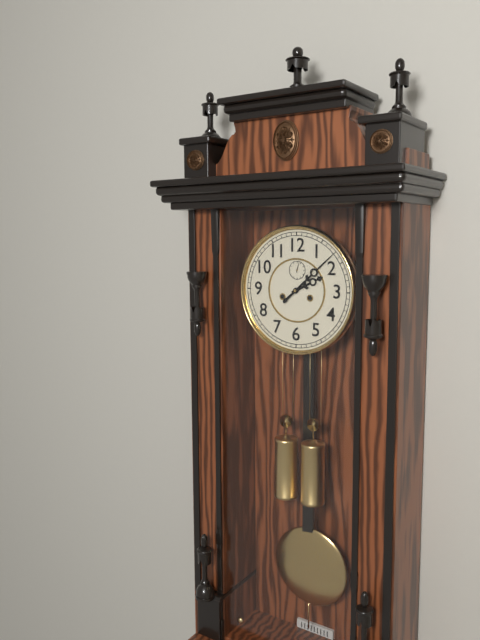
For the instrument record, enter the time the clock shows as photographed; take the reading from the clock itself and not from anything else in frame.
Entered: 2:08
